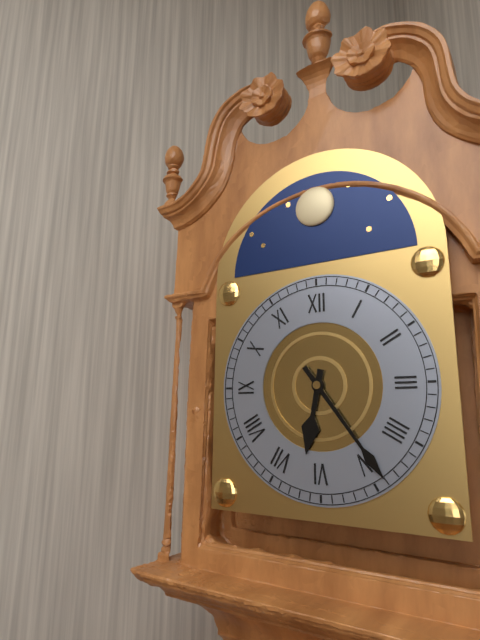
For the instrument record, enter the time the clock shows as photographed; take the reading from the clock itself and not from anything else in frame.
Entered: 6:24
